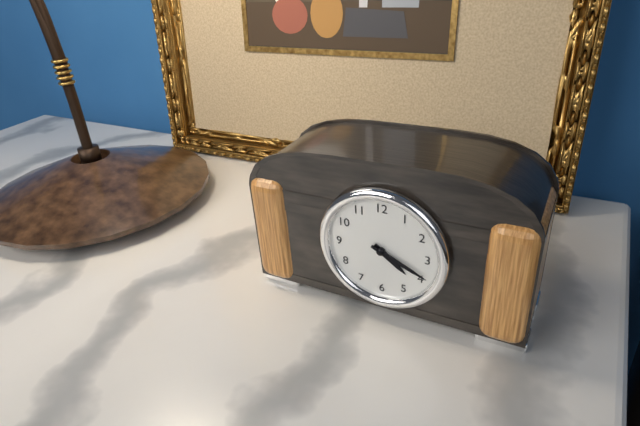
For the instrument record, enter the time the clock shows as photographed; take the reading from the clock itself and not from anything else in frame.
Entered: 4:19
